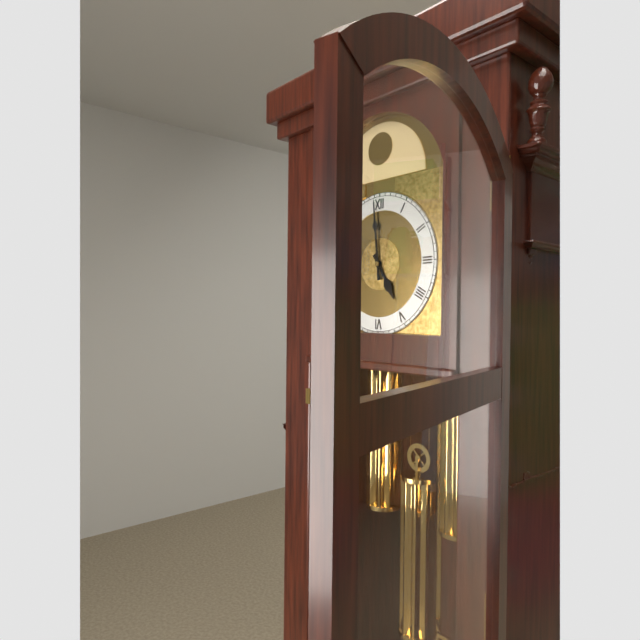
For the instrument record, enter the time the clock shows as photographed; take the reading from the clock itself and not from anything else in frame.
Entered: 4:59
